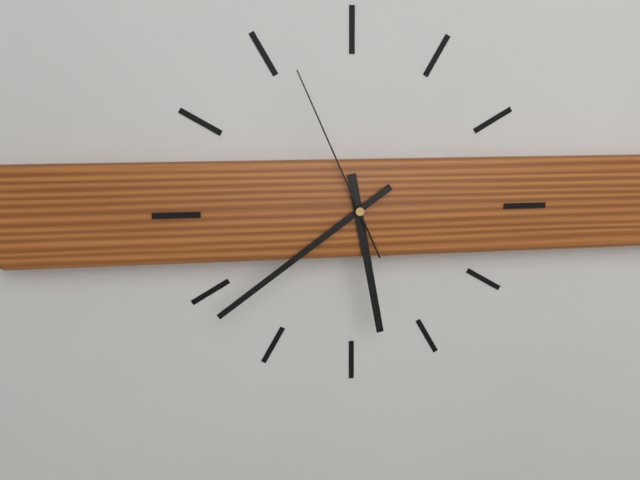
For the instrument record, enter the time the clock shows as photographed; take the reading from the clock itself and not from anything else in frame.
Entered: 5:39:56
